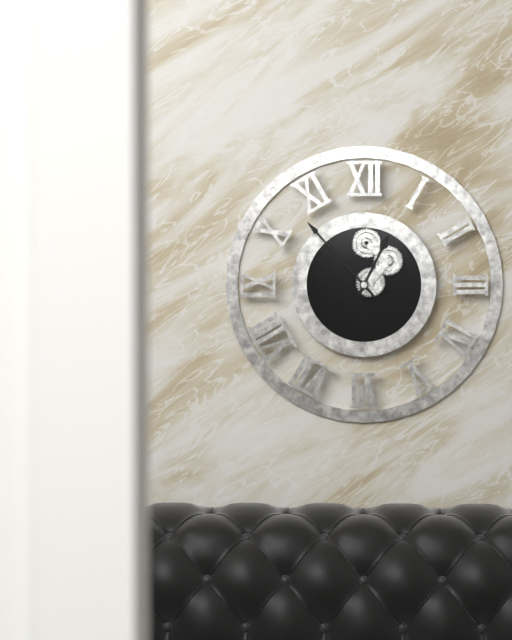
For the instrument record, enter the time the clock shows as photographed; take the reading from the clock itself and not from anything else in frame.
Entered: 12:53
